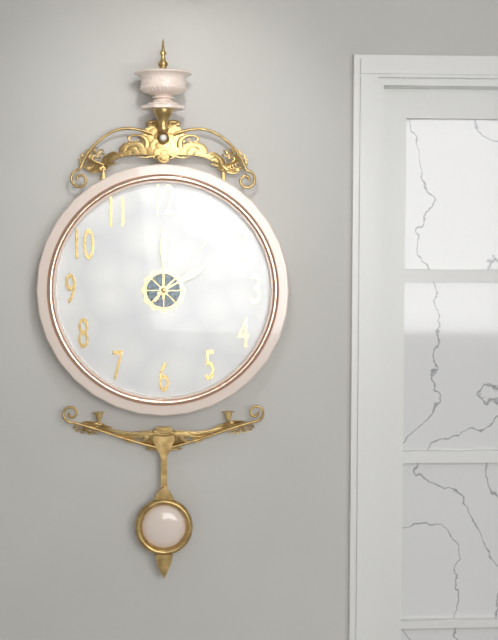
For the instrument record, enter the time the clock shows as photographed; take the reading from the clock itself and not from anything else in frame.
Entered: 2:00:07
